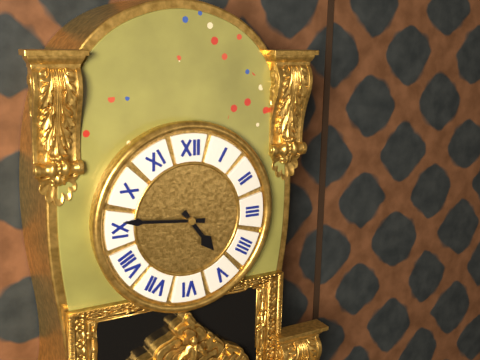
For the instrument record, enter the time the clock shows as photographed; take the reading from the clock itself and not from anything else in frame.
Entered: 4:46
